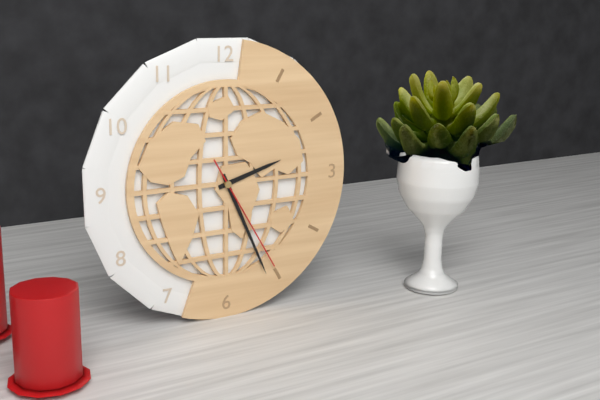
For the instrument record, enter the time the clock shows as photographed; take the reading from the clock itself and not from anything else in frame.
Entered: 2:26:25
